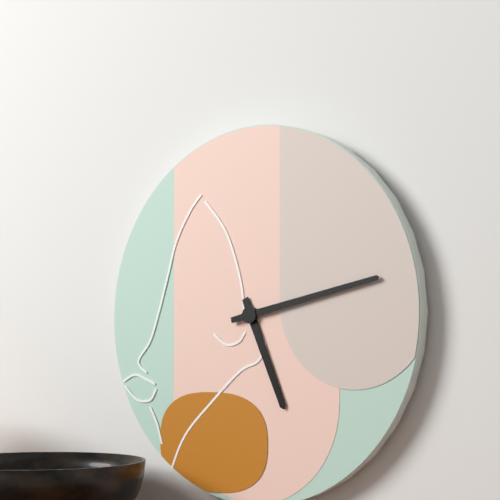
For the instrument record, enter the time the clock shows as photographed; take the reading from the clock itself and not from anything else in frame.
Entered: 5:13
